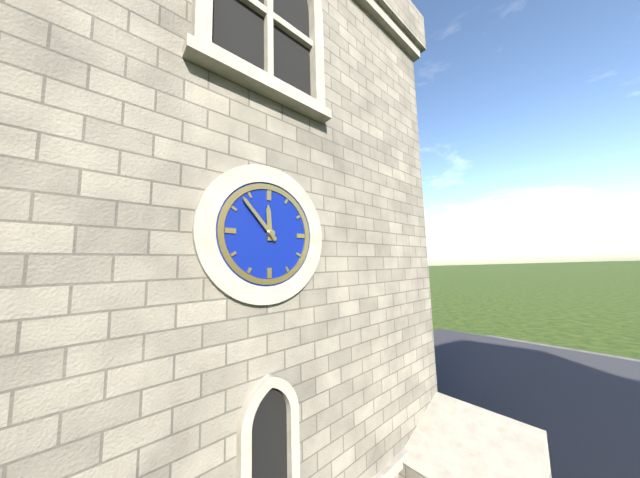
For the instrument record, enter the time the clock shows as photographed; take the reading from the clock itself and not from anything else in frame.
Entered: 11:53
